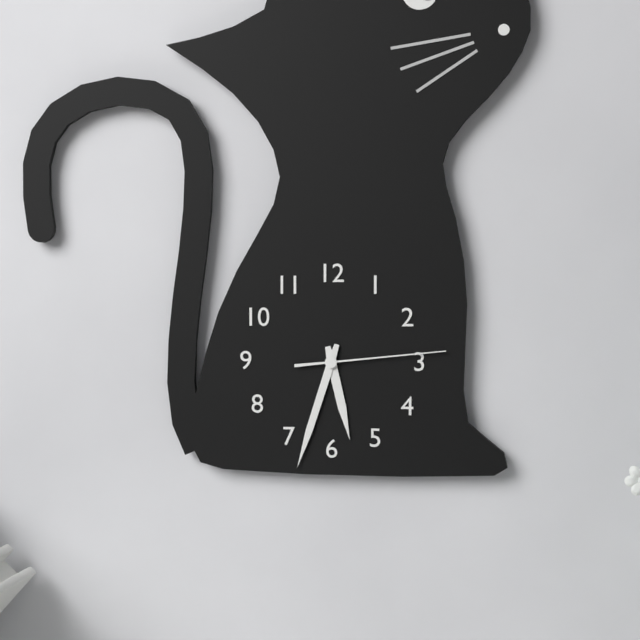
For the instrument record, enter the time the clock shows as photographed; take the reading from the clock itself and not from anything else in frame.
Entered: 5:33:14
